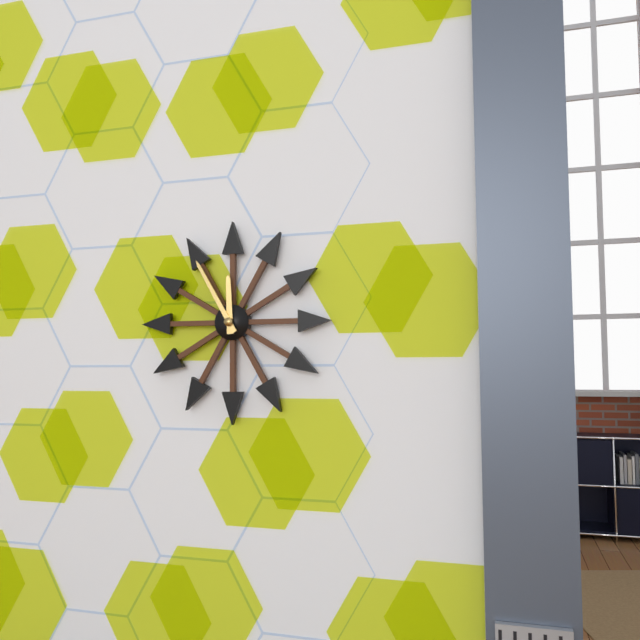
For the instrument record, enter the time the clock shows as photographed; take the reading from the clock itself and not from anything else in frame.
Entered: 11:55
